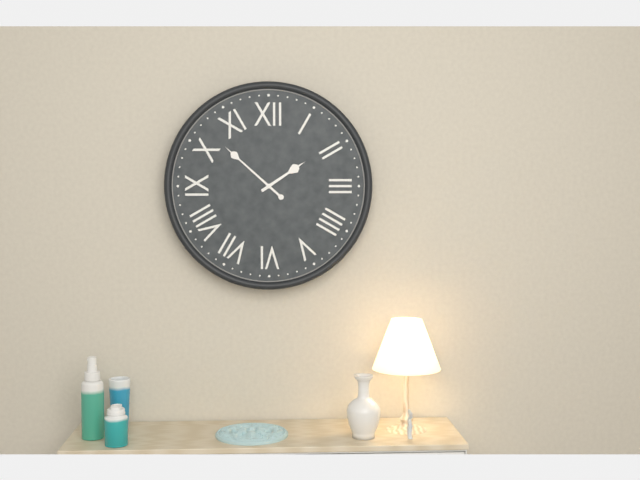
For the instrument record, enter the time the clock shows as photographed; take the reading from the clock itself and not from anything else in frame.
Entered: 1:52
